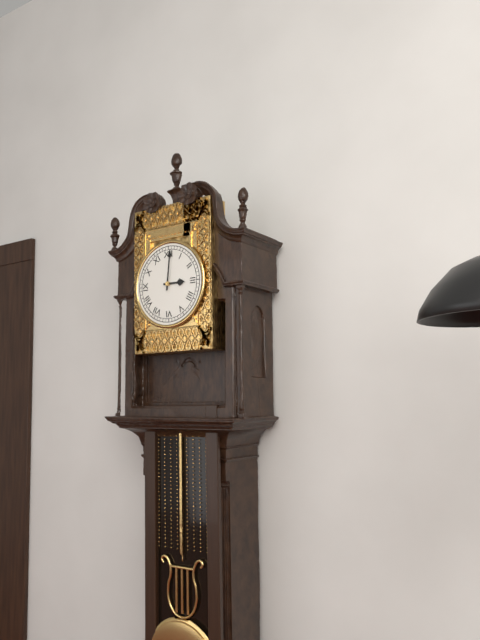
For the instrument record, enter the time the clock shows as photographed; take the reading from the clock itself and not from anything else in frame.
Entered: 3:01
